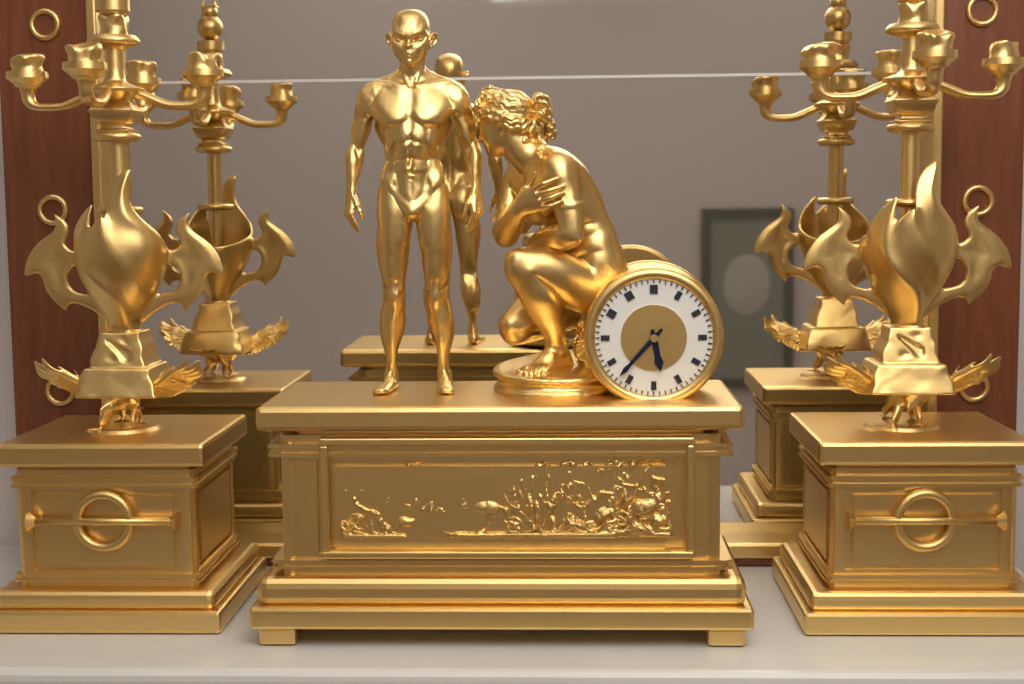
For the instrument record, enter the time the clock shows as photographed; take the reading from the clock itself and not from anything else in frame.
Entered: 5:37
